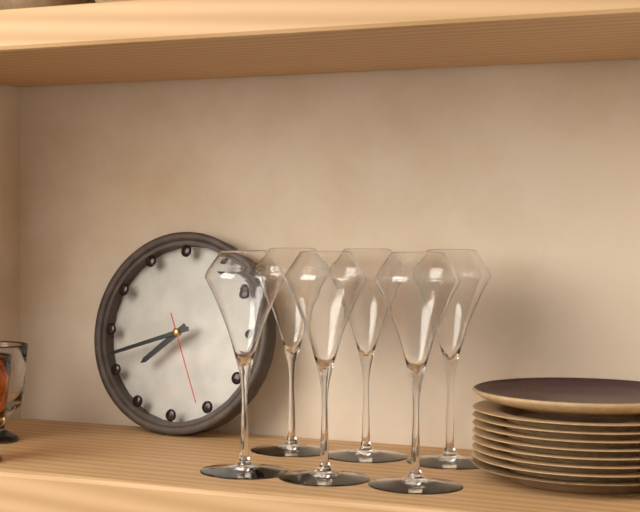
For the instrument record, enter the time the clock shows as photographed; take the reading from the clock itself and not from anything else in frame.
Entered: 7:42:26
